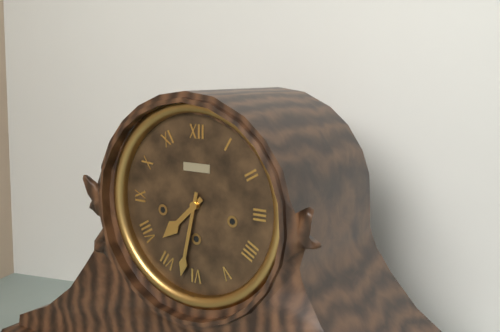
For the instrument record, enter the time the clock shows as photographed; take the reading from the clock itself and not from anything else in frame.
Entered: 7:32
